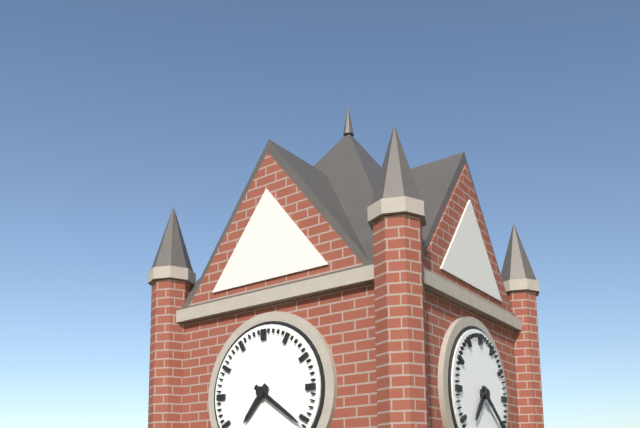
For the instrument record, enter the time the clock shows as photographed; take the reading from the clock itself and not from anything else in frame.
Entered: 7:21
